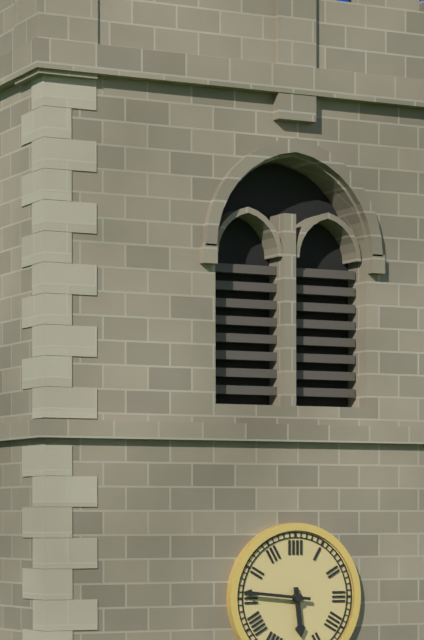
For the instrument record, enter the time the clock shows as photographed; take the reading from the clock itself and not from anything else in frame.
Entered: 5:46
